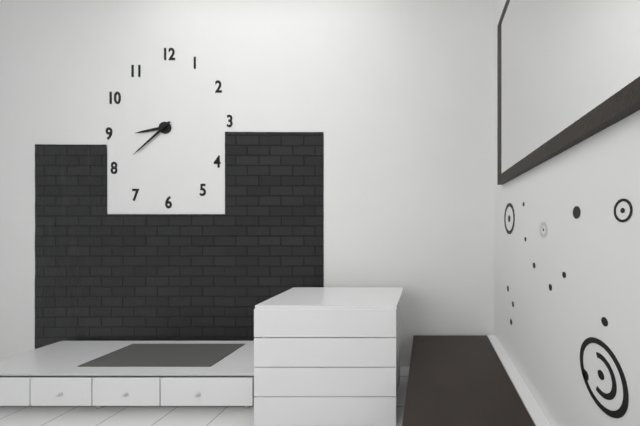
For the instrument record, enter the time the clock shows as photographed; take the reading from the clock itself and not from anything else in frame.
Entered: 8:38
